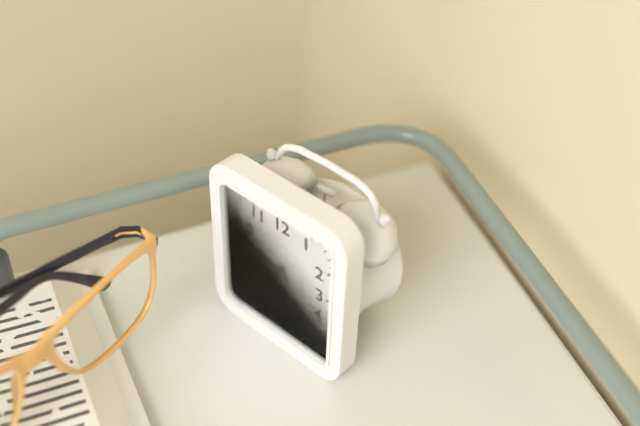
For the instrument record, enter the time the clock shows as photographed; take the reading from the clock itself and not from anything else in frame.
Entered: 6:48:12
